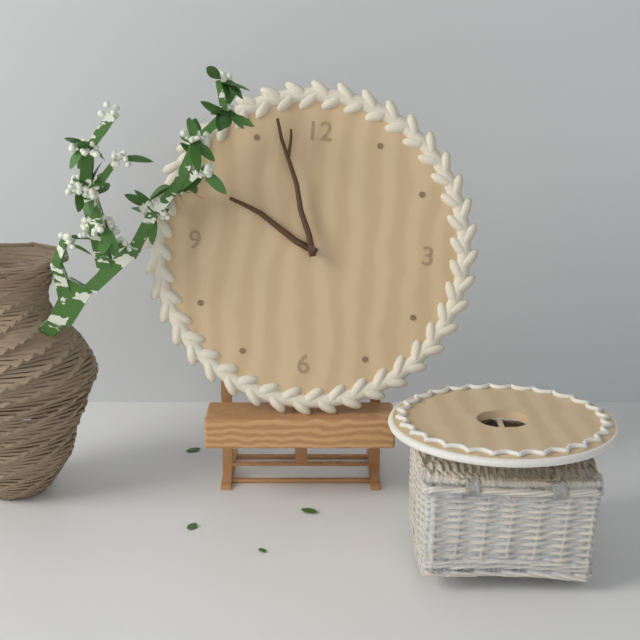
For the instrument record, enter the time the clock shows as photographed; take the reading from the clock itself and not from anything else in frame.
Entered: 9:57
